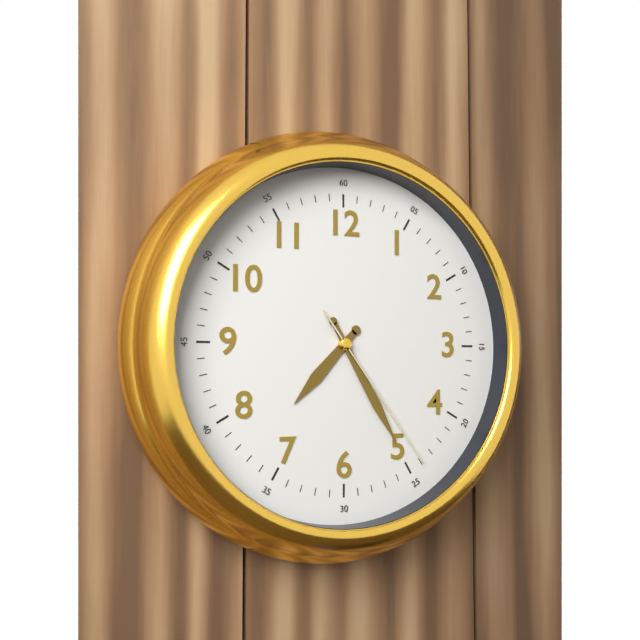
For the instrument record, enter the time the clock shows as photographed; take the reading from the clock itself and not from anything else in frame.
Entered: 7:25:24
